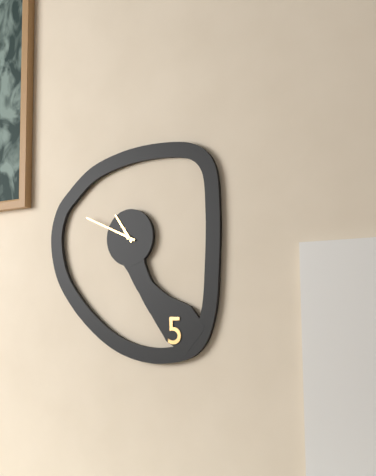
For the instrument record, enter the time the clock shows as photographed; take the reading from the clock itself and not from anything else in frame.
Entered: 10:49
